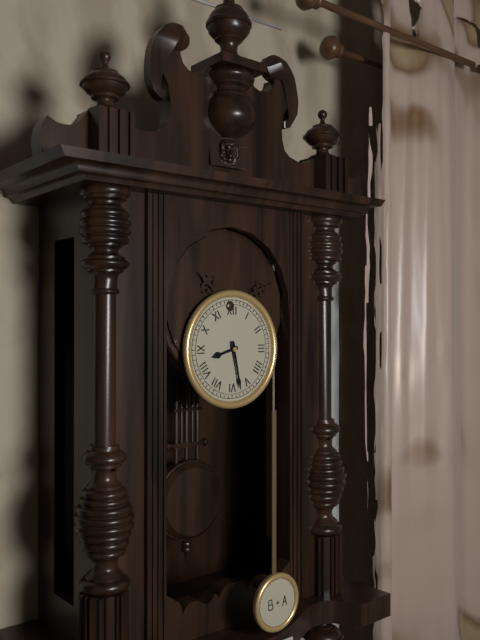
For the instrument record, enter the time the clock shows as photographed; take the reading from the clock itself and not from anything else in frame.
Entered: 8:28
